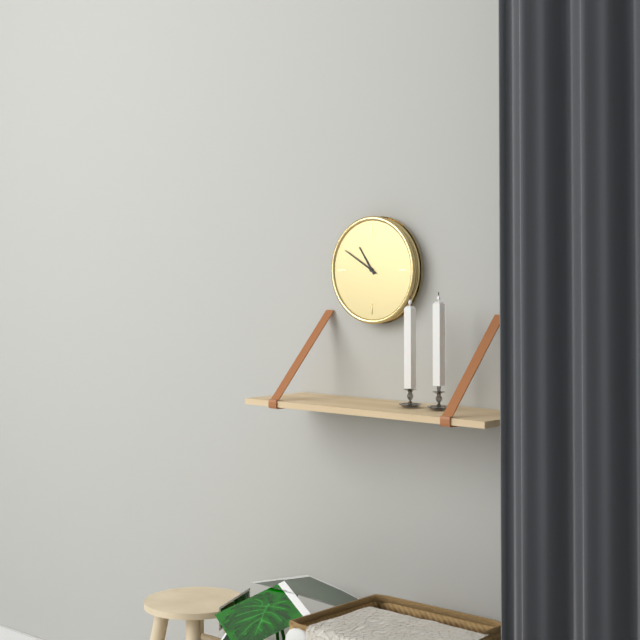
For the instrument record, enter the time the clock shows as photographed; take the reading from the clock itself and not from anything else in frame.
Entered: 10:50
